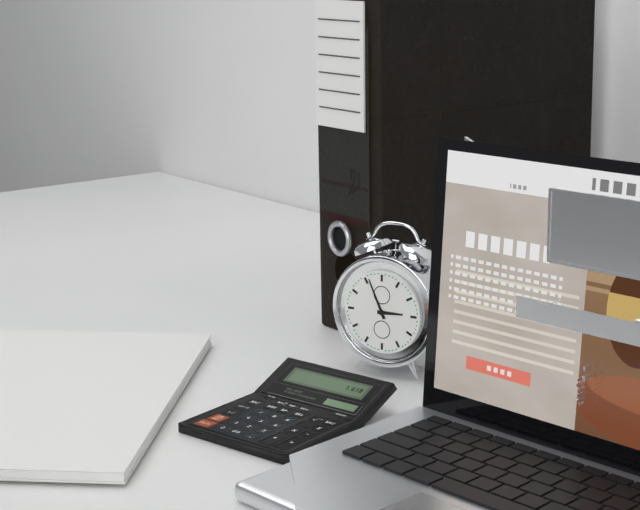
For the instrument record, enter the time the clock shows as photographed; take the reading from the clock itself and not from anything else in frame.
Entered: 2:56
